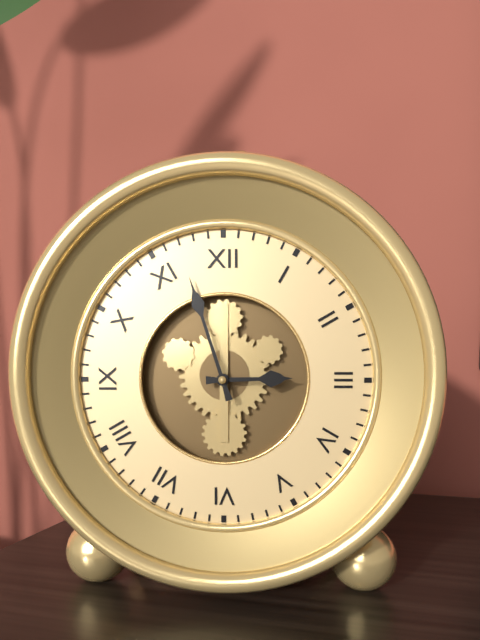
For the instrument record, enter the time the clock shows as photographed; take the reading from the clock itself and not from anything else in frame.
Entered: 2:57
